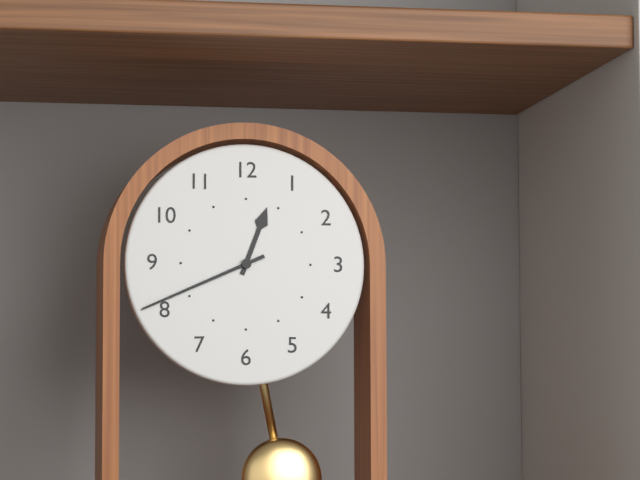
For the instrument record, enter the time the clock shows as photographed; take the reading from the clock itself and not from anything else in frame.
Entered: 12:41
